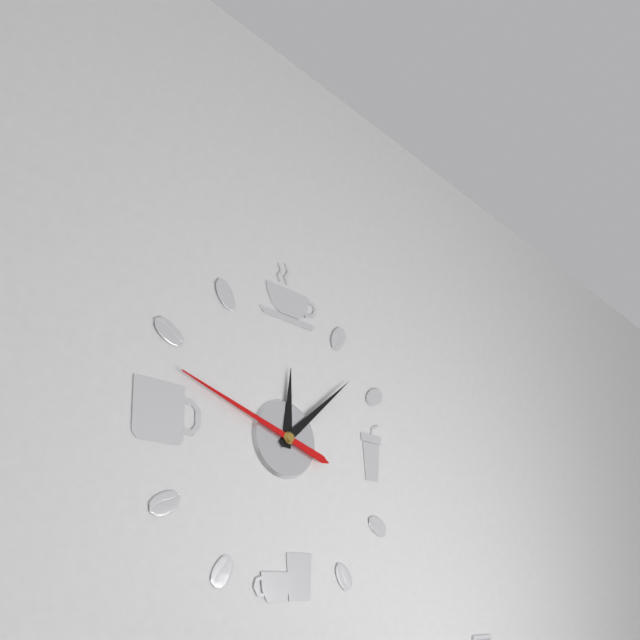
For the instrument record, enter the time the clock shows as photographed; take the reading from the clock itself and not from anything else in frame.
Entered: 12:08:48
